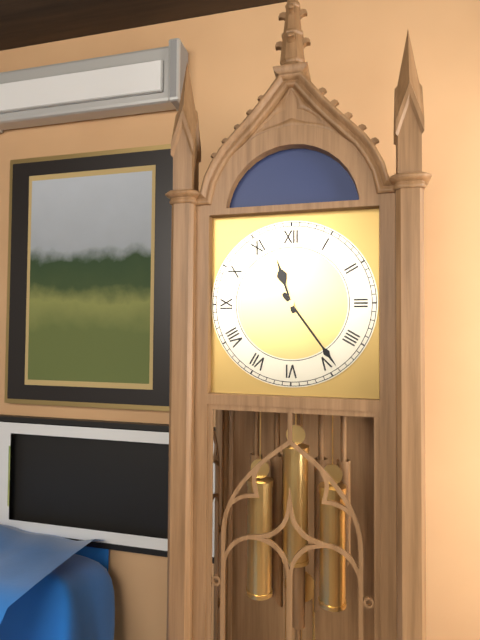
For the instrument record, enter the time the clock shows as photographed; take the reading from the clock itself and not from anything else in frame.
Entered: 11:24
